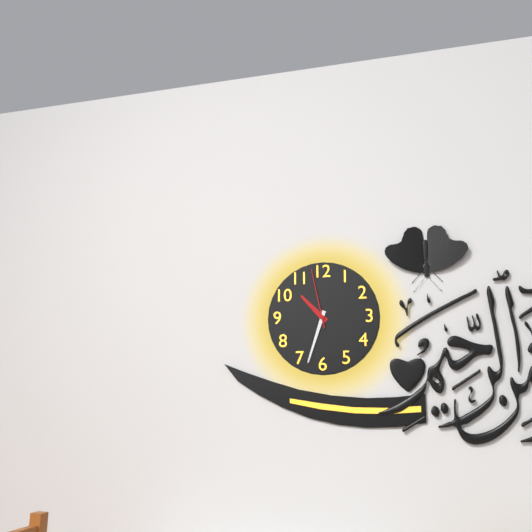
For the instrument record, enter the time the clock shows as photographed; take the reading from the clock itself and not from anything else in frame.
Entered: 10:33:58
